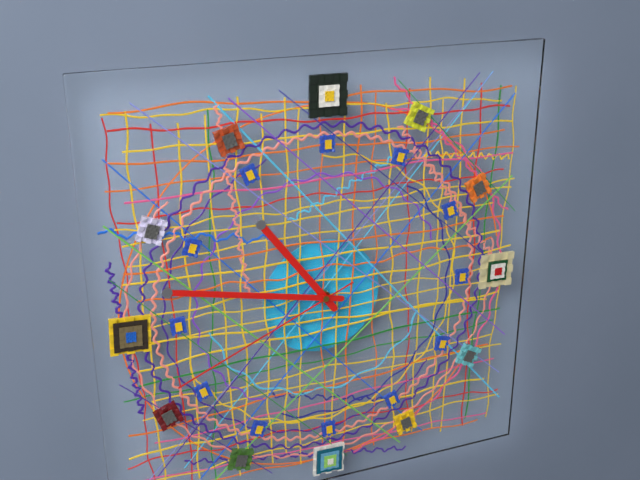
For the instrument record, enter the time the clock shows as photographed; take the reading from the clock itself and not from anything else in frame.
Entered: 10:47:41
